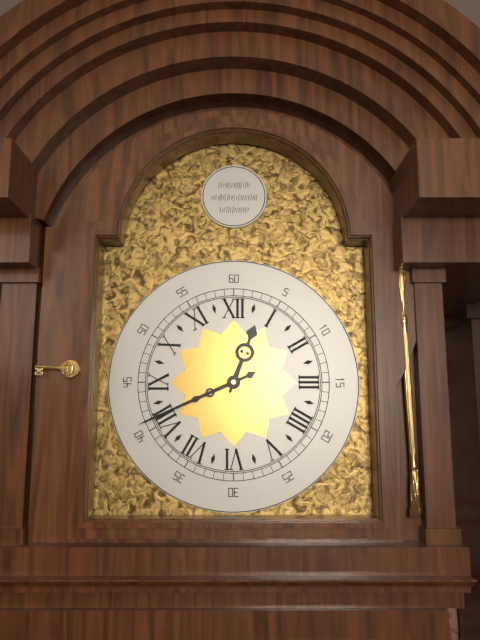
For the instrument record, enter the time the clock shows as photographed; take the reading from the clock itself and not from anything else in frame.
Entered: 12:41
